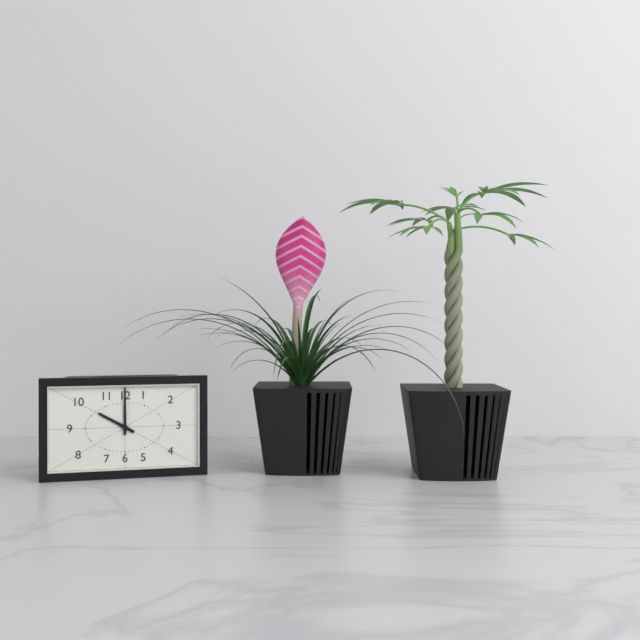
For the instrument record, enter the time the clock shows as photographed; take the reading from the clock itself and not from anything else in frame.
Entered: 10:00
